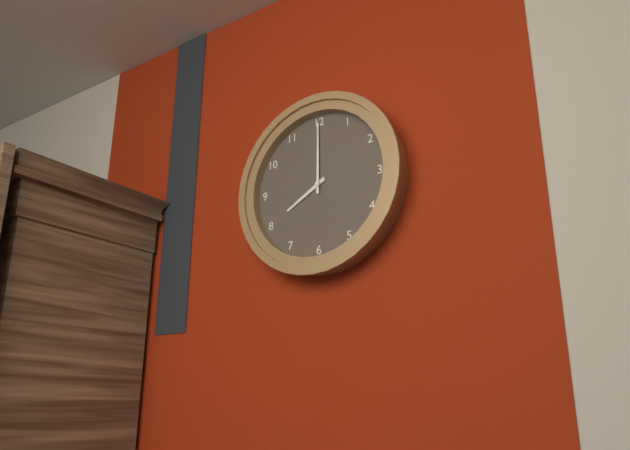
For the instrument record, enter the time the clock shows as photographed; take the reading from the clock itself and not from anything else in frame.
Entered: 8:00
